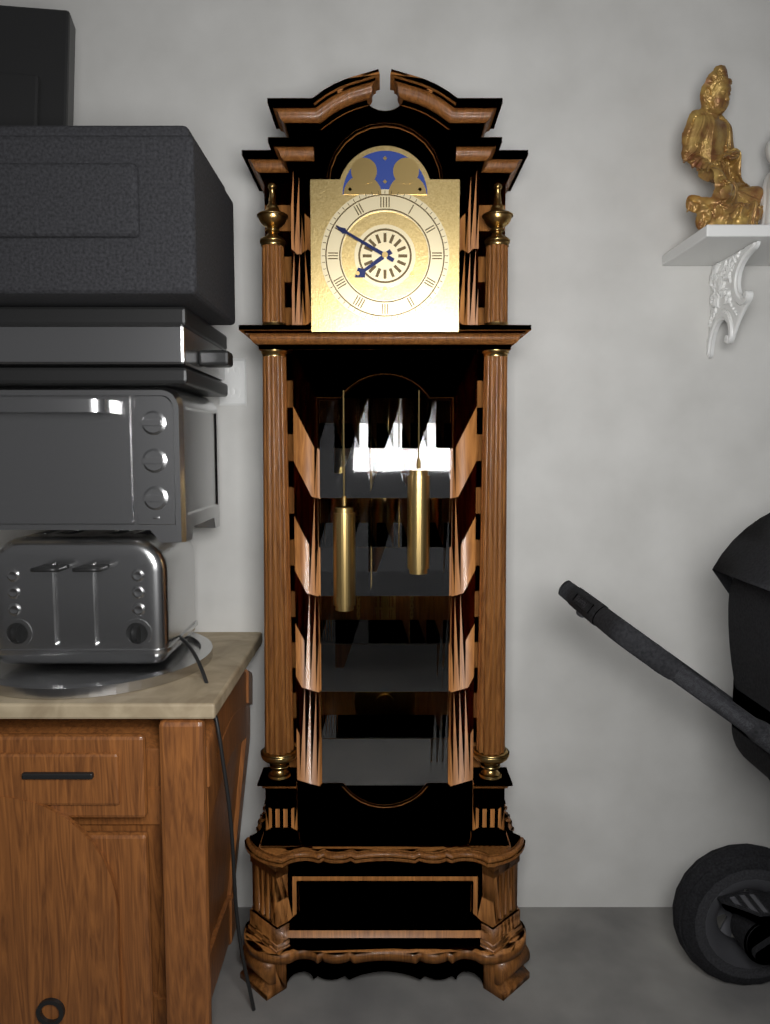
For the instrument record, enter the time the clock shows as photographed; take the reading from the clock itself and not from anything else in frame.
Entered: 7:50
